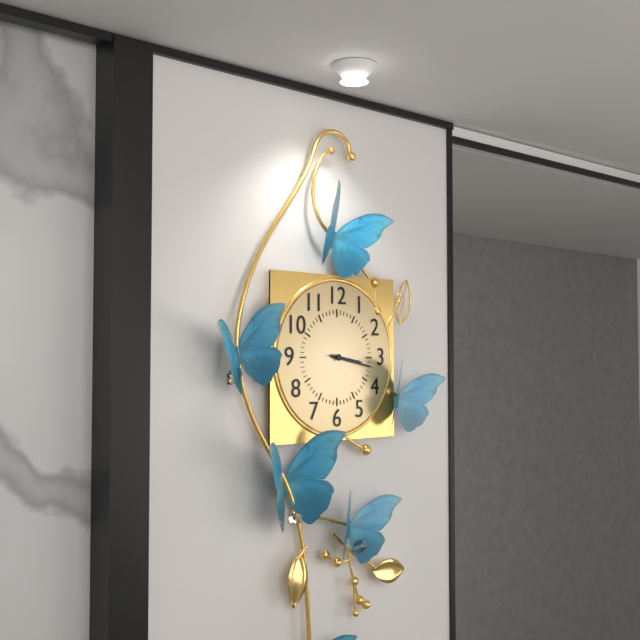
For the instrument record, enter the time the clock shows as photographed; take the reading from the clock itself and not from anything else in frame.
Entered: 3:17
